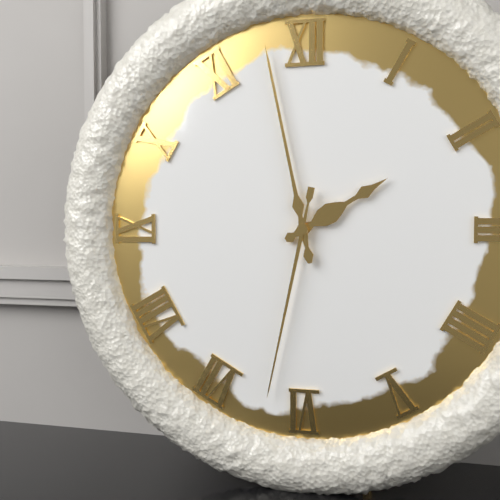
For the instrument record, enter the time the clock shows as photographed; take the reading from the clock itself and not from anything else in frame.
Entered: 1:58:32
